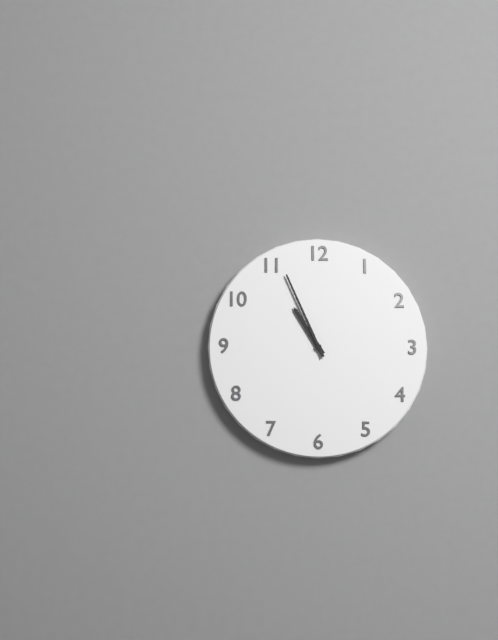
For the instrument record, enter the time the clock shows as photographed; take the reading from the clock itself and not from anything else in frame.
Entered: 10:56
